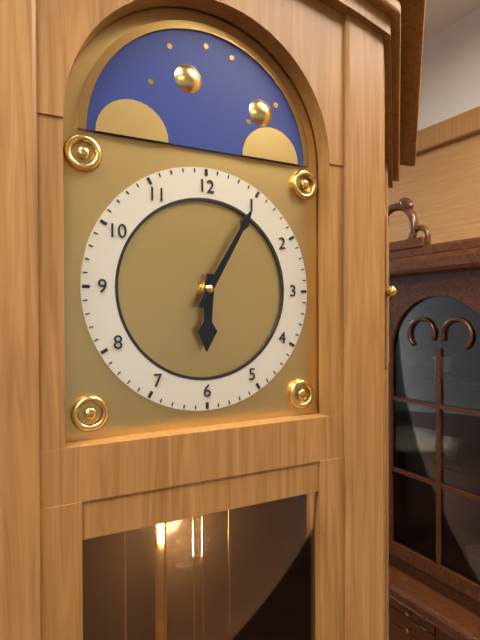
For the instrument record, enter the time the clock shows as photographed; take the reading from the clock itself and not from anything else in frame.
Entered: 6:05
